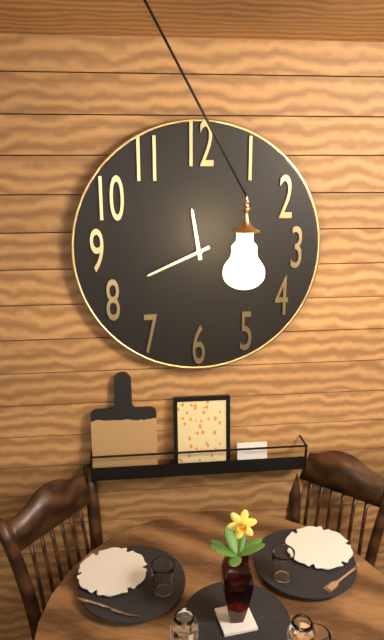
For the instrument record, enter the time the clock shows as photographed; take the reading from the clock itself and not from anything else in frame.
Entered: 11:41
